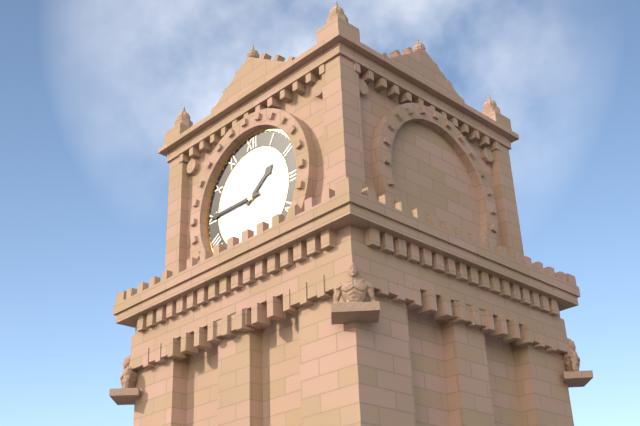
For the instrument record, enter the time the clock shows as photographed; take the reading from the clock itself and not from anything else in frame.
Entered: 1:45
